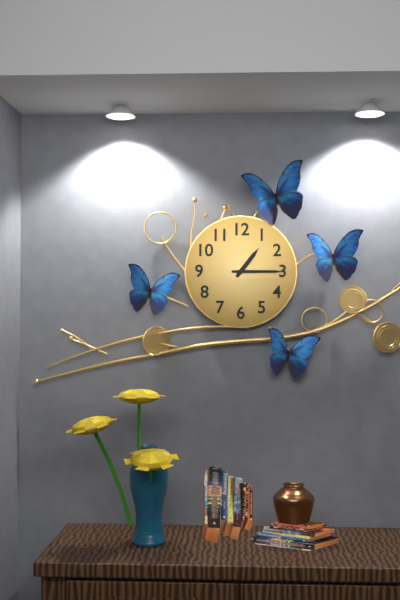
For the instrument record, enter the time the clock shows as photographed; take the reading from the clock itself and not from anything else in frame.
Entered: 1:15
